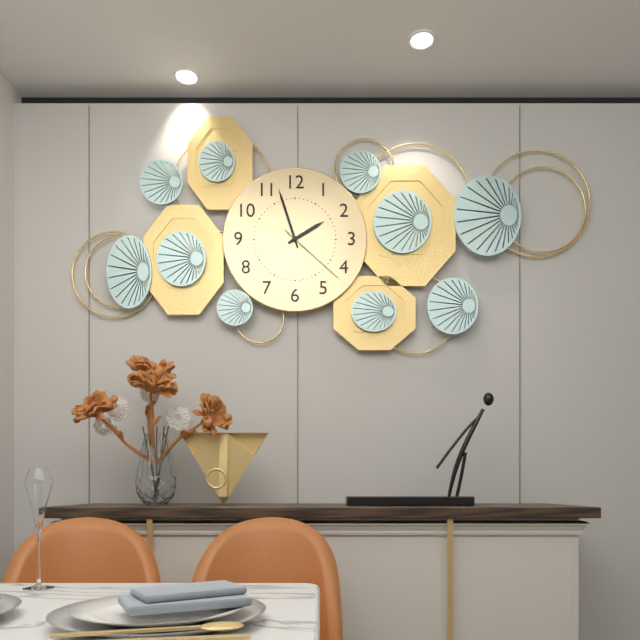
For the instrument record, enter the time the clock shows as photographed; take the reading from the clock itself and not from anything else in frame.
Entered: 1:57:22
